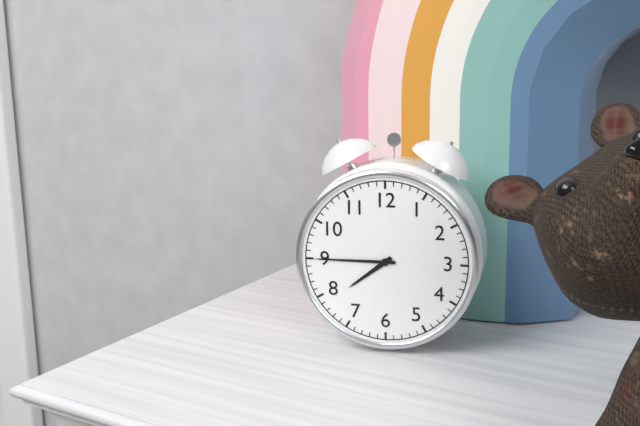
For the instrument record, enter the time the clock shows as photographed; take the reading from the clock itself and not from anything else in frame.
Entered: 7:45
